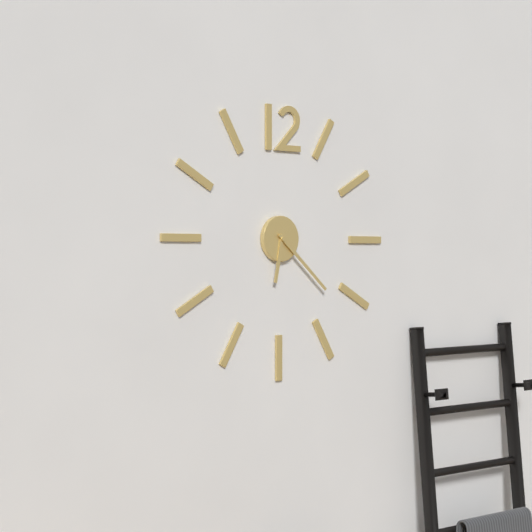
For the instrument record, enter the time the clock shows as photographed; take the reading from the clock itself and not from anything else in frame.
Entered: 6:22
